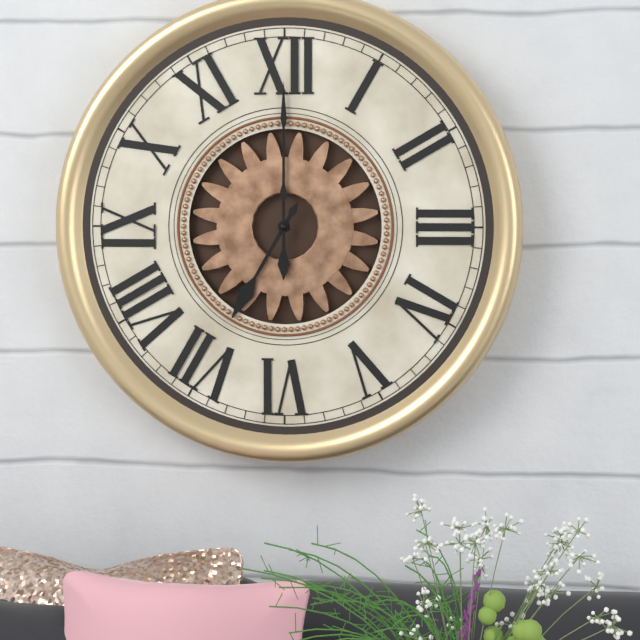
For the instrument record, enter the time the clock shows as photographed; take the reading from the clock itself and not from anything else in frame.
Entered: 7:00
